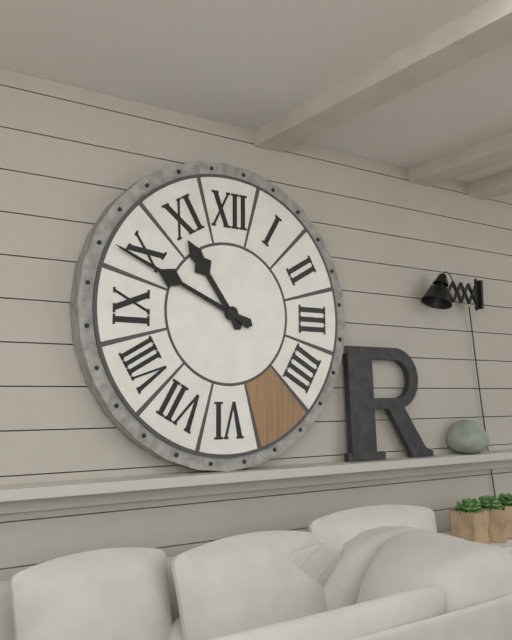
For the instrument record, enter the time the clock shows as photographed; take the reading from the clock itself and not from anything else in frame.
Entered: 10:49
